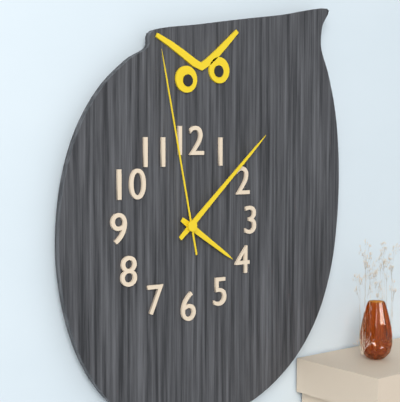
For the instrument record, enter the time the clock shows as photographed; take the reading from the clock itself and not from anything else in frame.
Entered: 4:08:58
